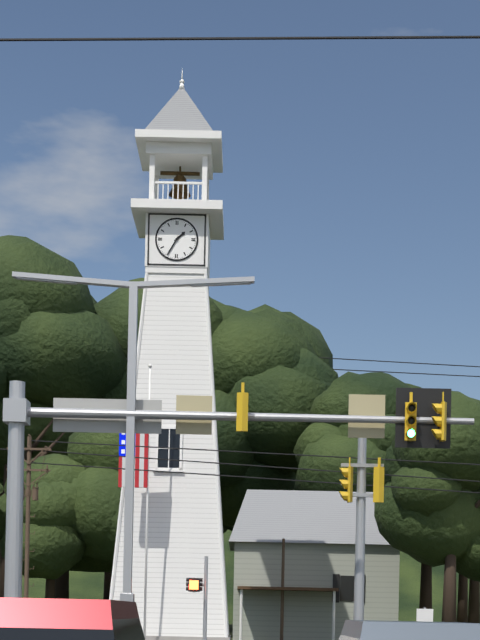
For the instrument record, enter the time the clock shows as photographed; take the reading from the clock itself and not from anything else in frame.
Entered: 1:35
